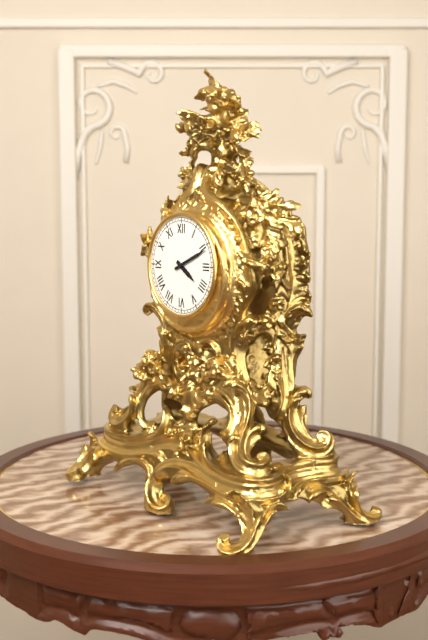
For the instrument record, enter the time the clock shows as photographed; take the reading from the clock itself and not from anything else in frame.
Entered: 4:11
